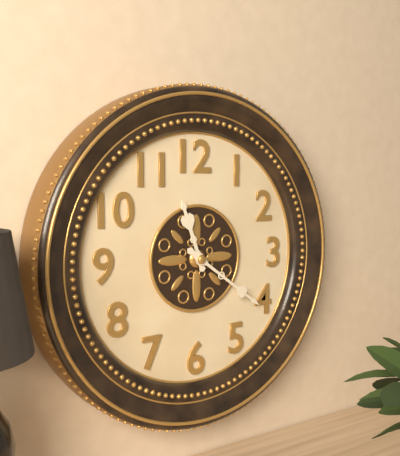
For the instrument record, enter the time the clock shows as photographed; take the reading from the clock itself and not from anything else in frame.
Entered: 11:21
